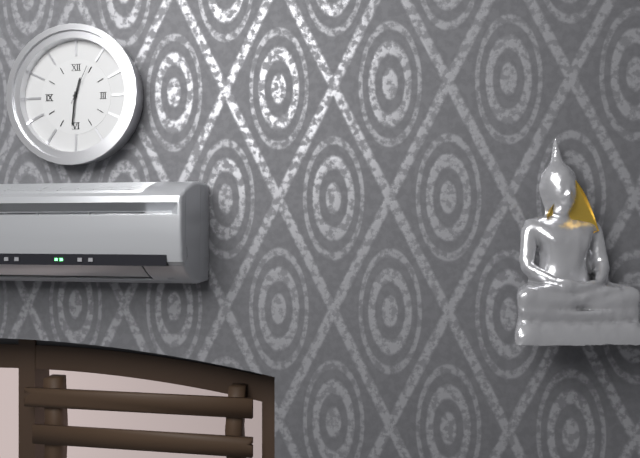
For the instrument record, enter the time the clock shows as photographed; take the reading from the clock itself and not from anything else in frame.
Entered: 12:31
